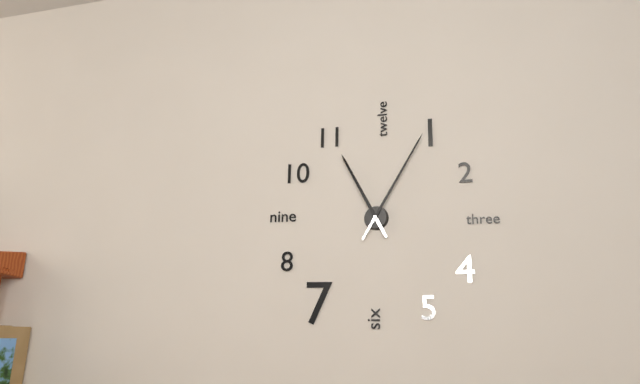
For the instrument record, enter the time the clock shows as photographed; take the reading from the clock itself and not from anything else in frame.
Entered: 11:05
